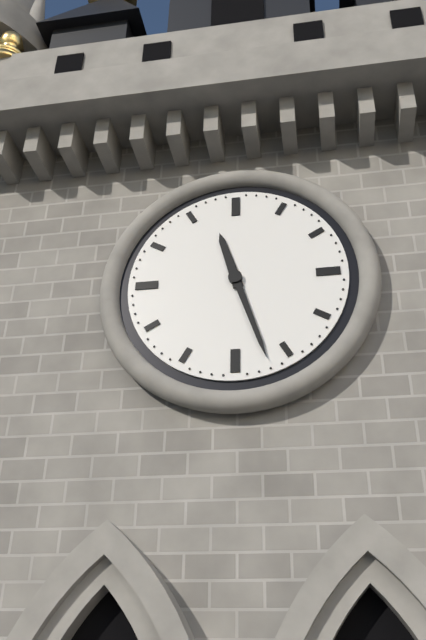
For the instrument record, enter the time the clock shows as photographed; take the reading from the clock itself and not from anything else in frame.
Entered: 11:27
